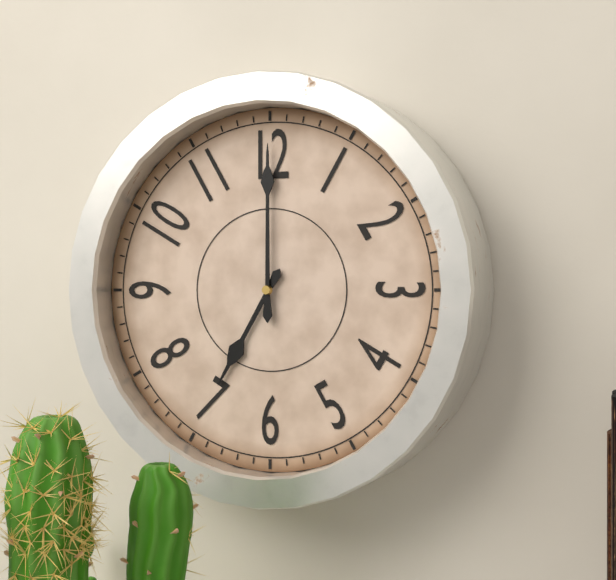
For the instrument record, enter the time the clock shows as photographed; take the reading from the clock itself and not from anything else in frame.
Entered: 7:00
